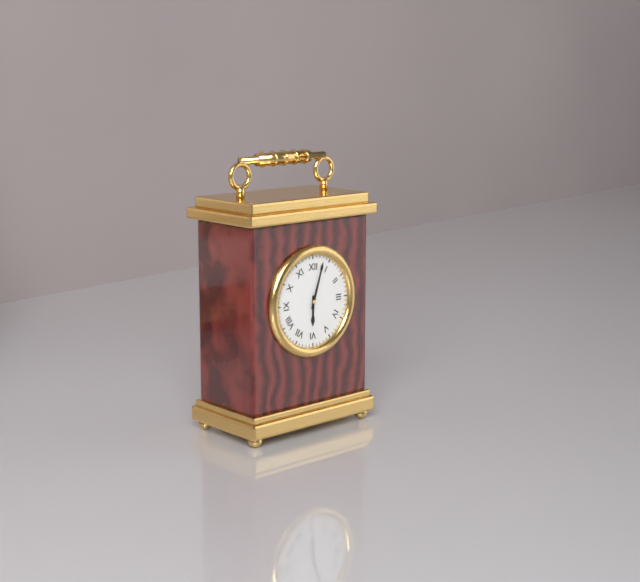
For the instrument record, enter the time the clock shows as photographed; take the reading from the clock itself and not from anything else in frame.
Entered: 6:03
